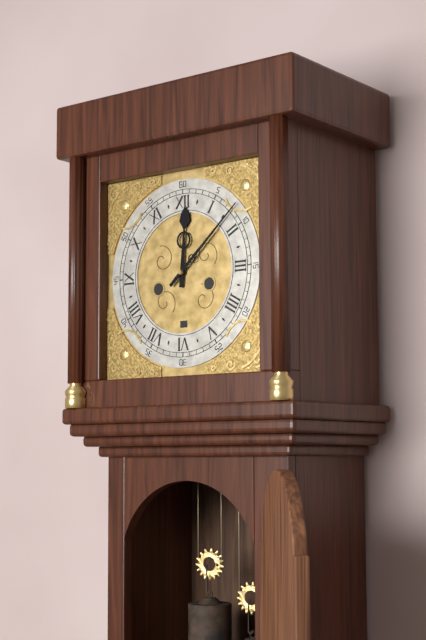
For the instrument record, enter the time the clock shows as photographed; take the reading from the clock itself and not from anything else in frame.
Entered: 12:08
